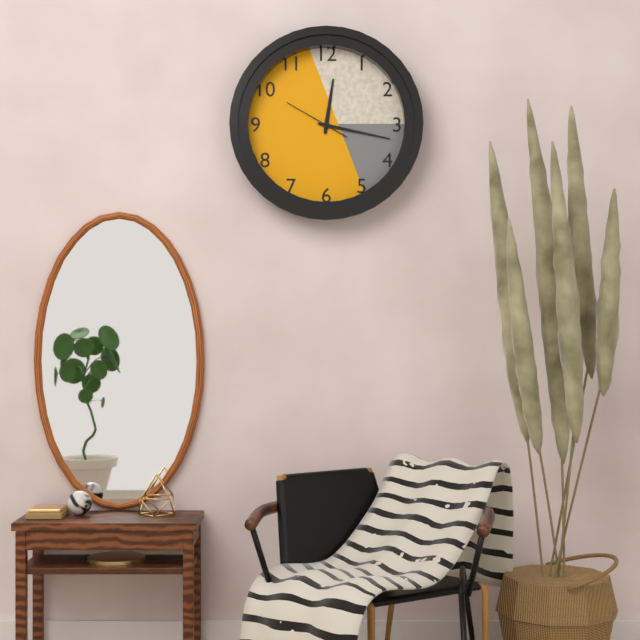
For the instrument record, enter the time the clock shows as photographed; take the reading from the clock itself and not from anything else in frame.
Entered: 12:17:50
